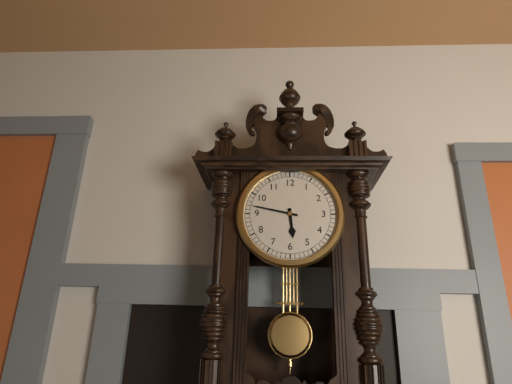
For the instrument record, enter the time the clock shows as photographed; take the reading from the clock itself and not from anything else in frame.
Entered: 5:47
